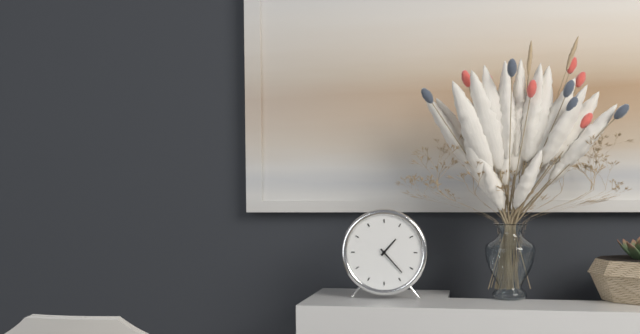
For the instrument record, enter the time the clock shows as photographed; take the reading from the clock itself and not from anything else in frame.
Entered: 1:23
